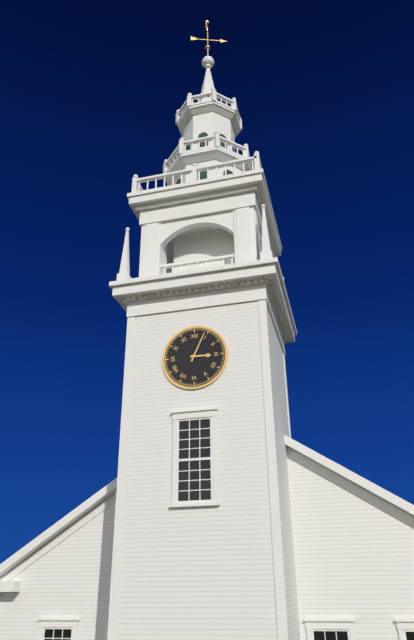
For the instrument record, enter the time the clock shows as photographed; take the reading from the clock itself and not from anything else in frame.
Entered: 3:04
